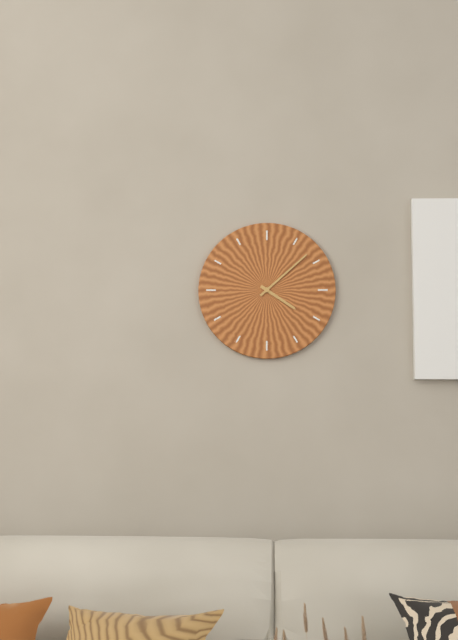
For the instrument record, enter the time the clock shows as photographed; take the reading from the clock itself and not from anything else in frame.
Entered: 4:08
